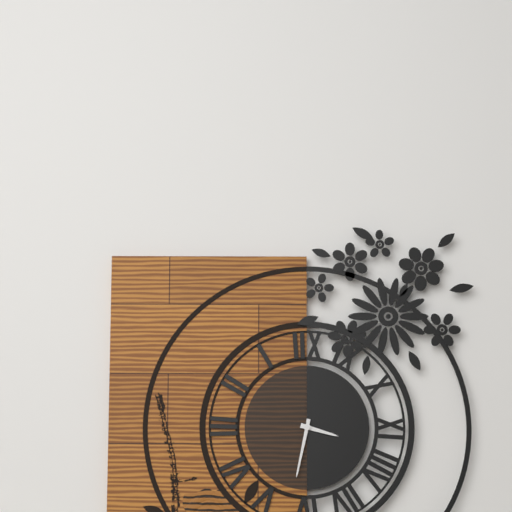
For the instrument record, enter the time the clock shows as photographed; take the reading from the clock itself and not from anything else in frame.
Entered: 3:32
